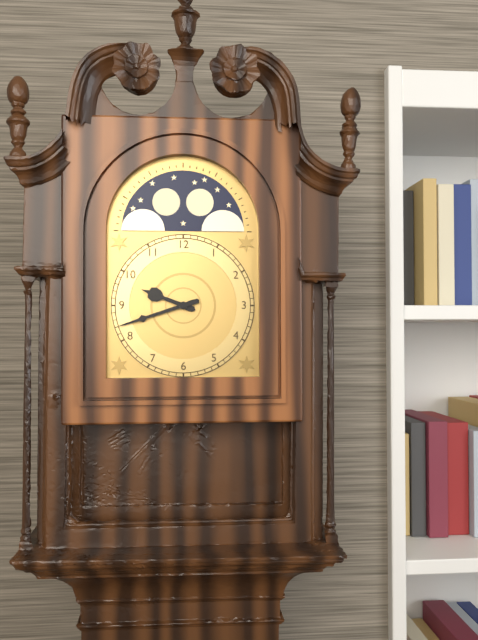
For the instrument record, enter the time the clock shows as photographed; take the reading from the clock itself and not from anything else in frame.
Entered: 9:42
